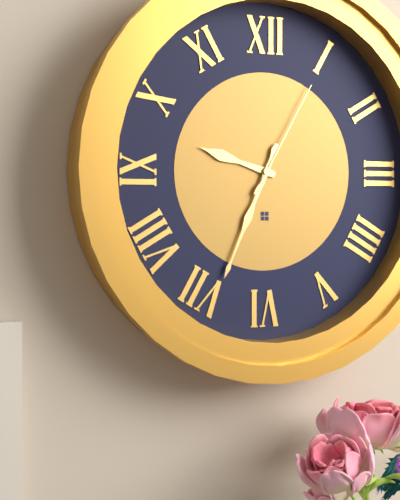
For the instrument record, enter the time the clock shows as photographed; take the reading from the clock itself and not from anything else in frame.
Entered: 9:34:05
